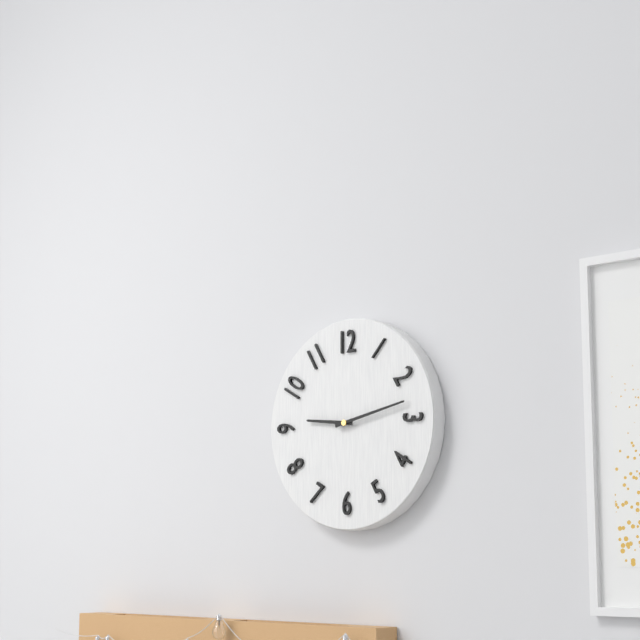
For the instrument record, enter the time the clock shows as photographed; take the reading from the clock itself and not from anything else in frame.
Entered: 9:13
